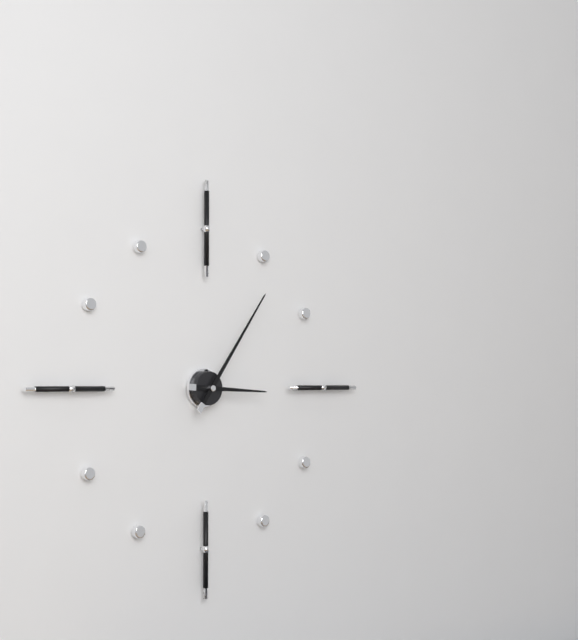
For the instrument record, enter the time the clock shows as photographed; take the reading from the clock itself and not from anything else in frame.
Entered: 3:06
